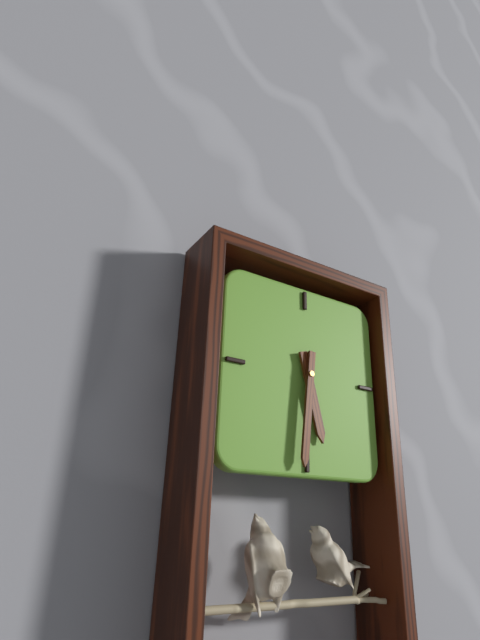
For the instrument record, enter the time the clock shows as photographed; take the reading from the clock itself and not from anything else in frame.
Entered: 5:31
